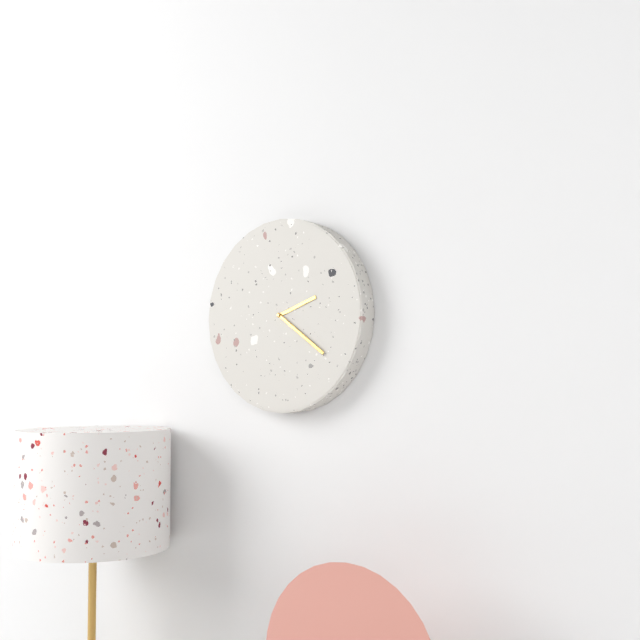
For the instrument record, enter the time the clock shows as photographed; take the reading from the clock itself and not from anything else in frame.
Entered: 2:21
